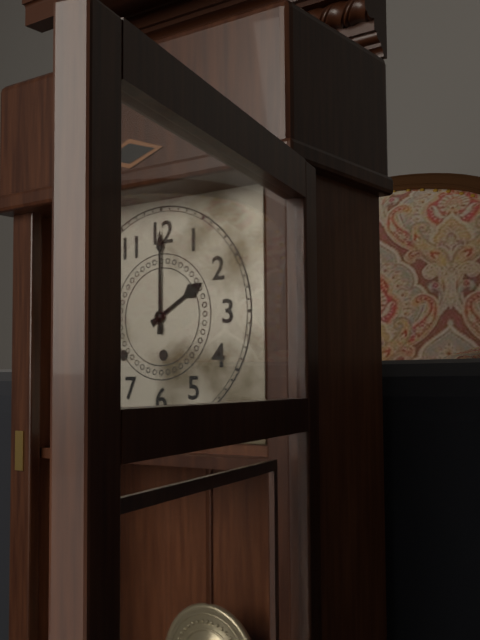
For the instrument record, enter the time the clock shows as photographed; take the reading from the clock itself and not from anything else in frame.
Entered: 2:00
